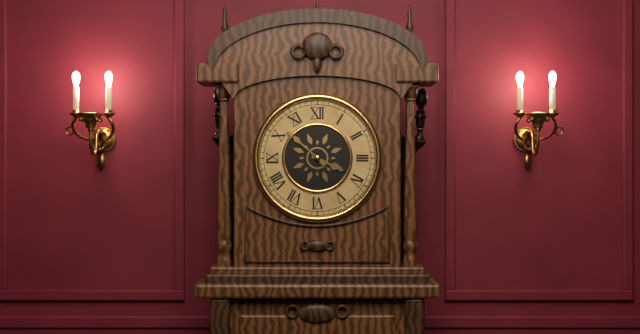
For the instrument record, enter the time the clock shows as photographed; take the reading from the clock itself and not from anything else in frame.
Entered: 3:52
